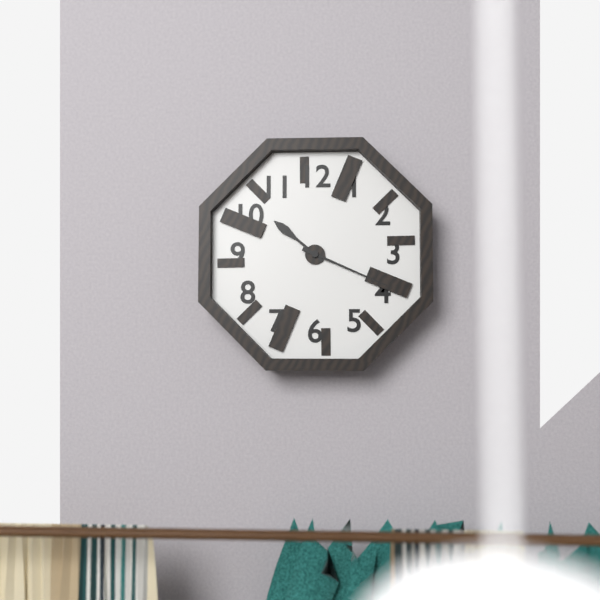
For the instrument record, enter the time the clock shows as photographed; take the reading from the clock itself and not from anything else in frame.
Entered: 10:19
